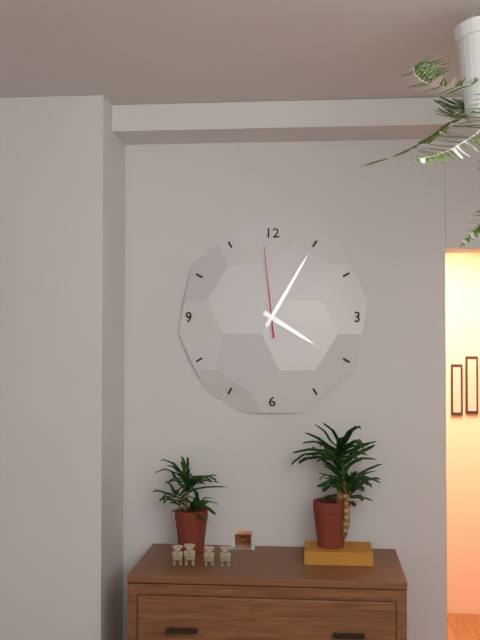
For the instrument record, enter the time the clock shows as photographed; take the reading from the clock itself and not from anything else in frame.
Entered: 4:05:59
